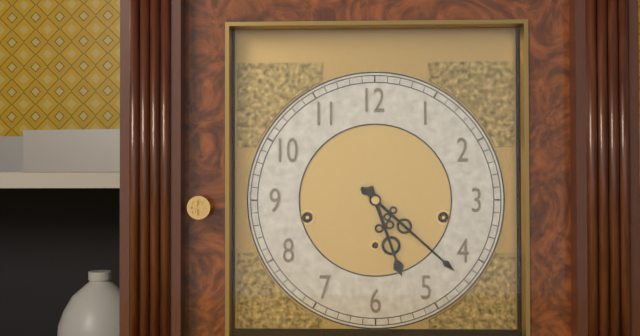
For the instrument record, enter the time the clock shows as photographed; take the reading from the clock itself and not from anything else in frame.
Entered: 5:22
